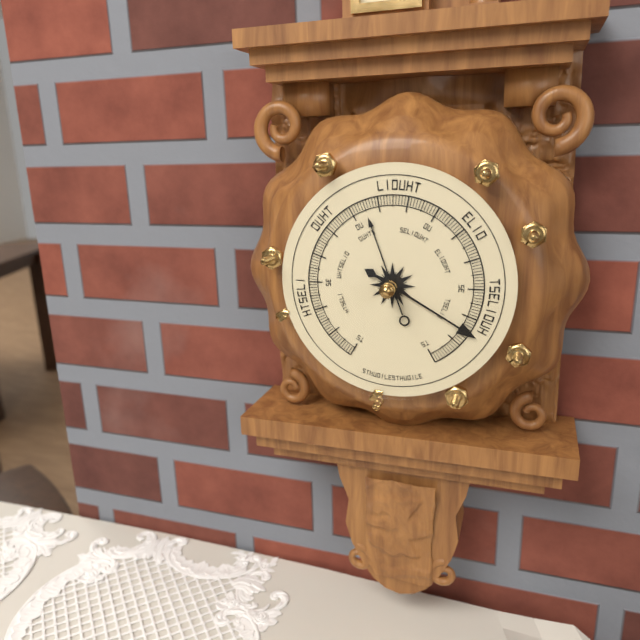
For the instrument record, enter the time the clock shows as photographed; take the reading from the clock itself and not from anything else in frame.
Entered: 11:20
